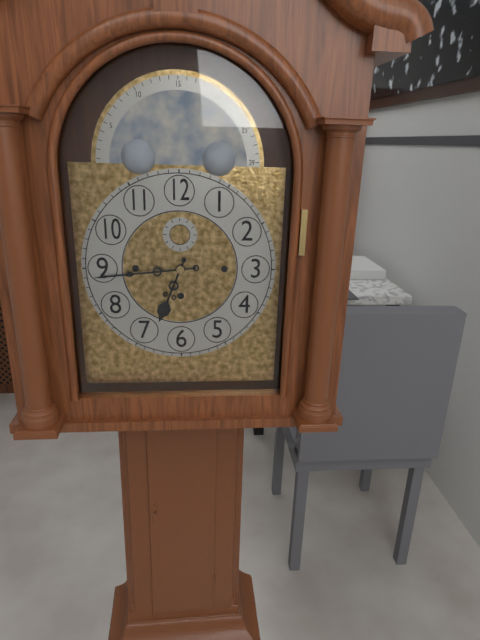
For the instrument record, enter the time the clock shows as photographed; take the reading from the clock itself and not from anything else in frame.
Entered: 6:44
